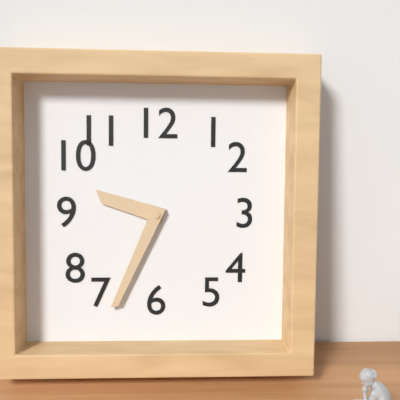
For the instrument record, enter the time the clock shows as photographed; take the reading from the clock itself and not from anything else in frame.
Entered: 9:34
